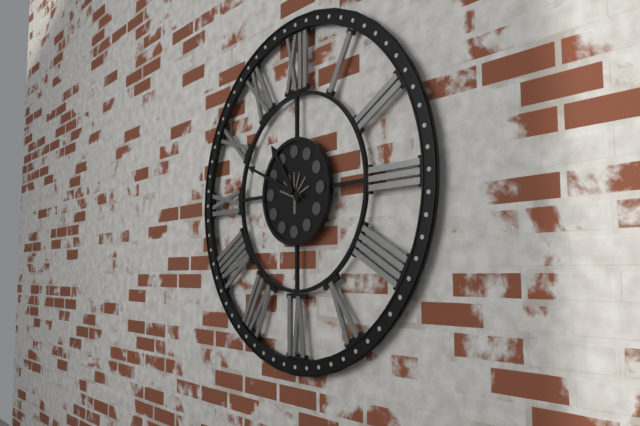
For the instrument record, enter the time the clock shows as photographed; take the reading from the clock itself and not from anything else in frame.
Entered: 10:49
